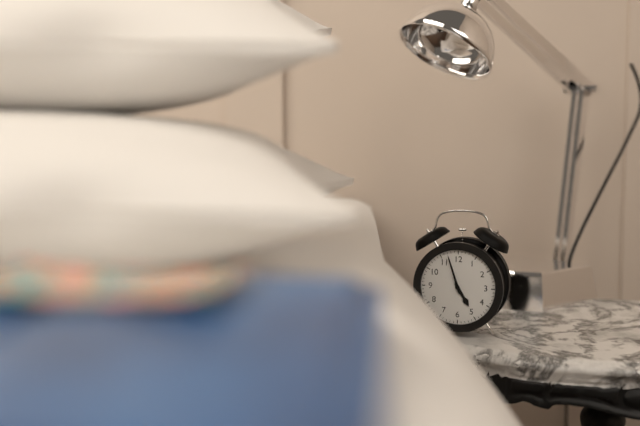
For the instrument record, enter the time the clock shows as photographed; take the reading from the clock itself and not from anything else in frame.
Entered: 4:57
